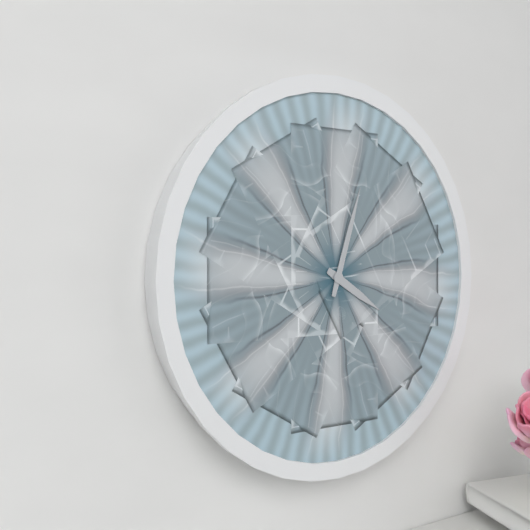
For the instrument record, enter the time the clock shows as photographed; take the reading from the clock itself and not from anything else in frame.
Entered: 4:03
